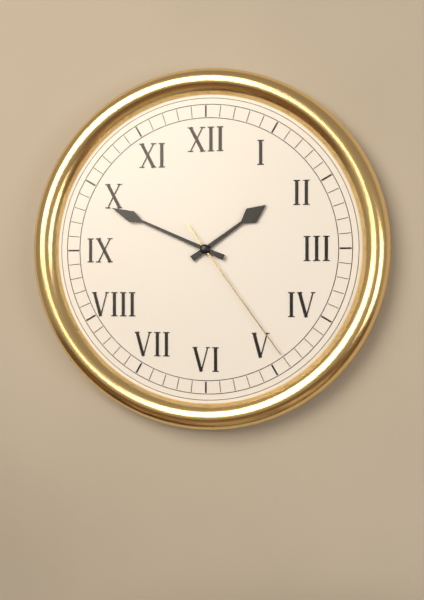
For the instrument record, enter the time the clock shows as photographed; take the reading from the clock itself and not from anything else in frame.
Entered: 1:49:24
